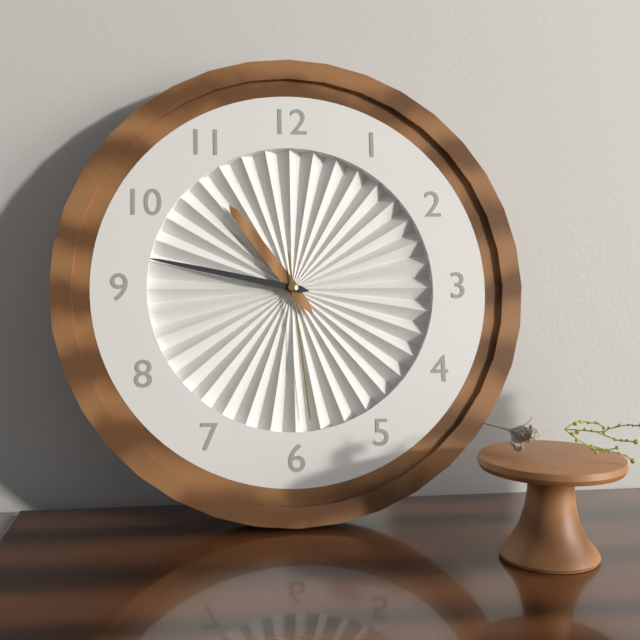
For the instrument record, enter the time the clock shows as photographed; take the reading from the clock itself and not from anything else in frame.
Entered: 10:47:29
